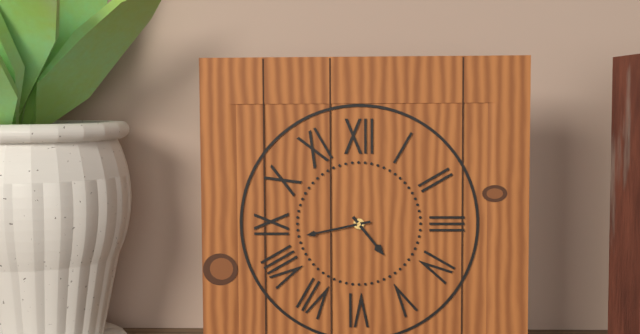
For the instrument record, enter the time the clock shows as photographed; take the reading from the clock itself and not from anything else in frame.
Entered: 4:43
